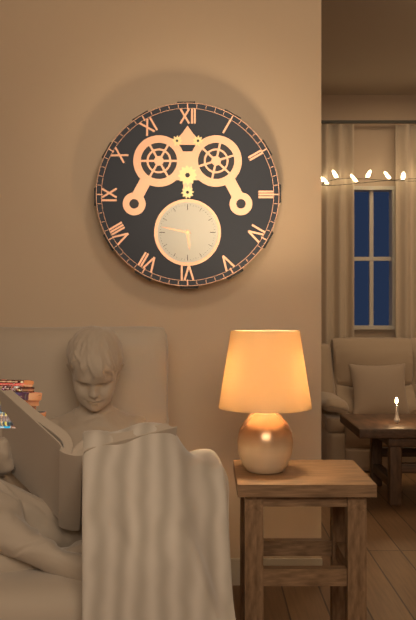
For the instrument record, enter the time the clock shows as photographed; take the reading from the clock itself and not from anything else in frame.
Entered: 5:47
